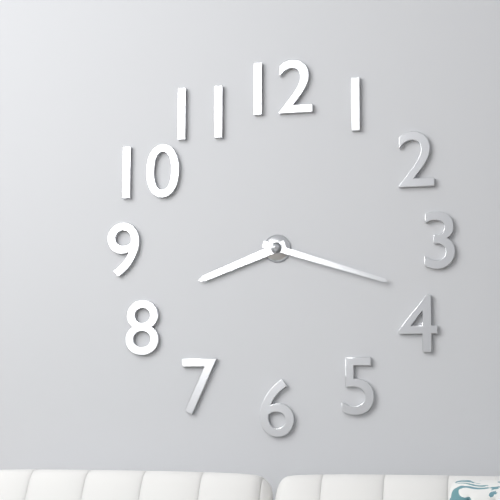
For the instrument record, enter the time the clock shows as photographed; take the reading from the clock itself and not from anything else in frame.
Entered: 8:18
